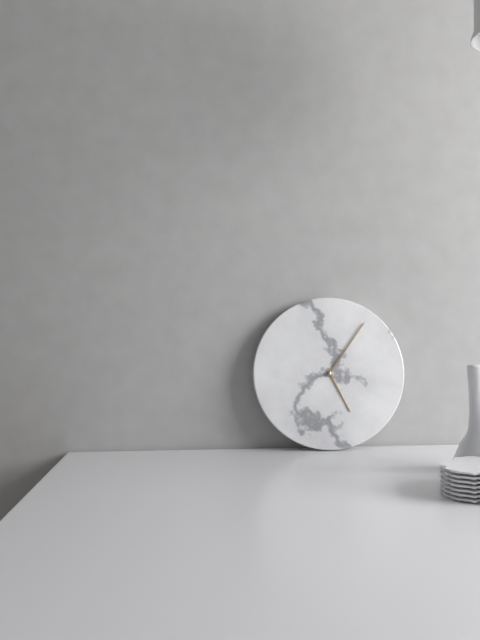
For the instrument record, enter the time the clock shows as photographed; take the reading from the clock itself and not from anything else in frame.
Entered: 5:06
